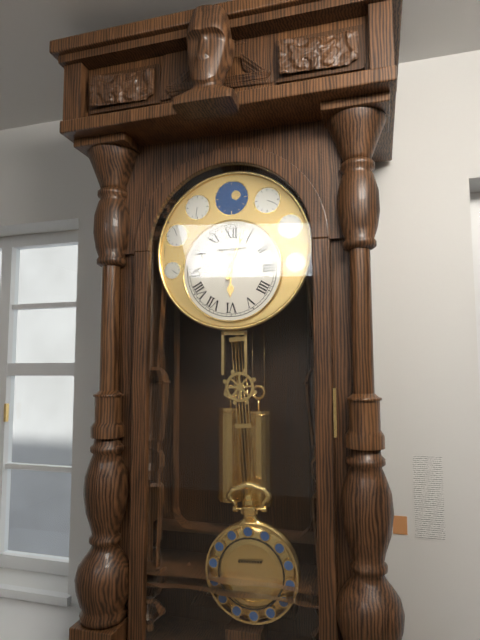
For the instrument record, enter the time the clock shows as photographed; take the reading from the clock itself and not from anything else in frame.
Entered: 6:03
